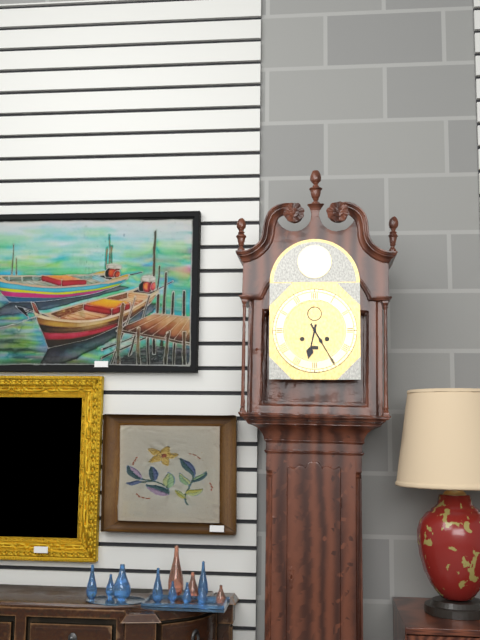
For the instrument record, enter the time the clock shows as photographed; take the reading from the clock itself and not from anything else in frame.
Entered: 6:25
